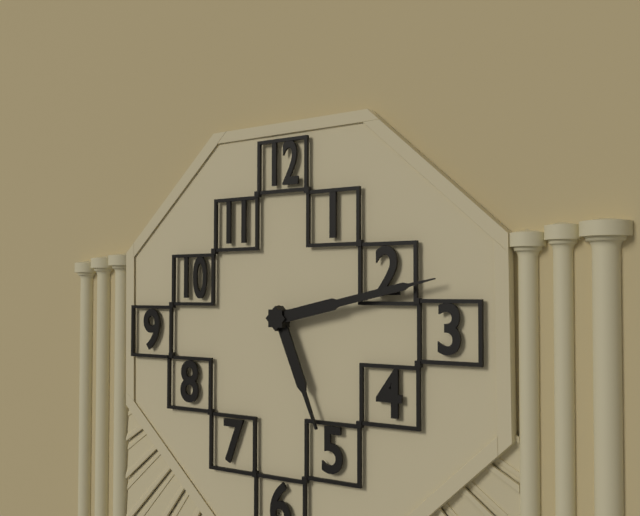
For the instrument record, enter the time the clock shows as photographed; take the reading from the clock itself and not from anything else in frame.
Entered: 5:13
